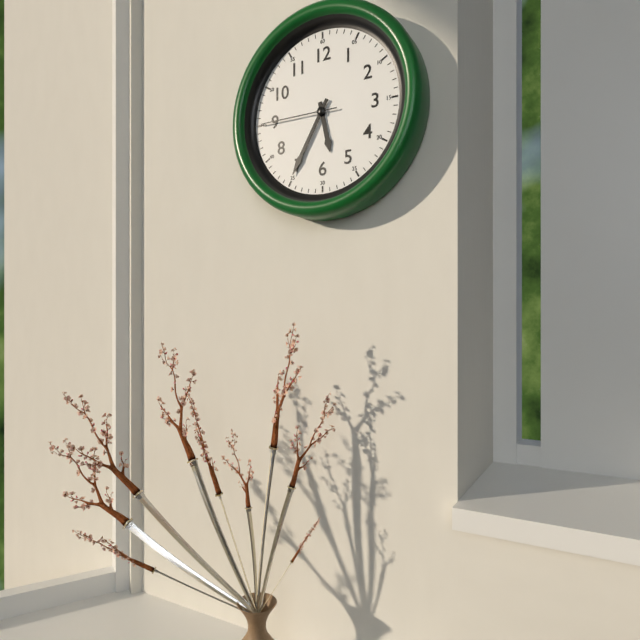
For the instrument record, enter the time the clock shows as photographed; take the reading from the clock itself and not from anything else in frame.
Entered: 5:35:45
